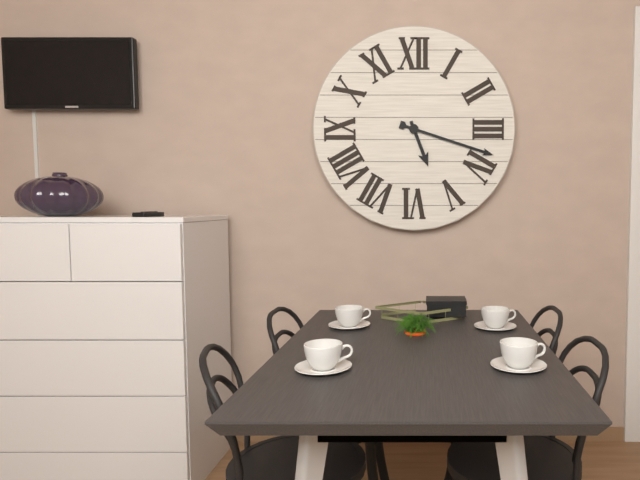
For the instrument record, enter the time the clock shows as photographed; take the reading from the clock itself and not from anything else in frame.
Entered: 5:18
